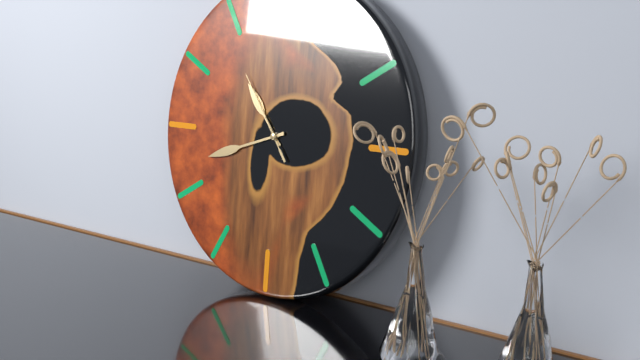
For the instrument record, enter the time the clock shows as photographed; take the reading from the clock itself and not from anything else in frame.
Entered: 10:42:54
